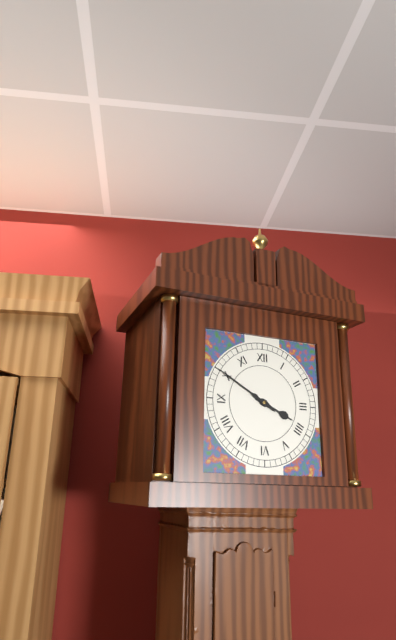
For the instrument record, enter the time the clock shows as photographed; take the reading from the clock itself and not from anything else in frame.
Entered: 3:50
